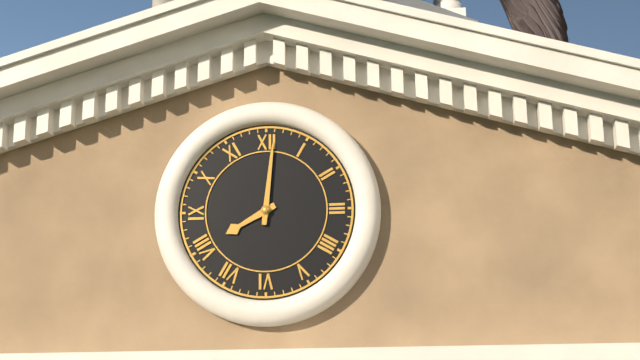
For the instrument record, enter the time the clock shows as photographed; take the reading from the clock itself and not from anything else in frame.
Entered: 8:01
